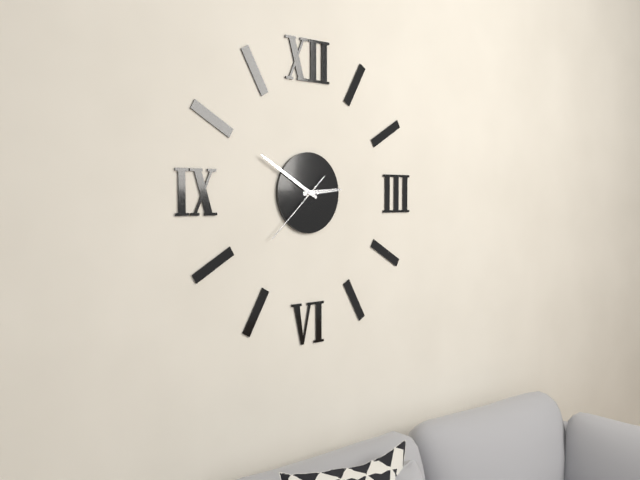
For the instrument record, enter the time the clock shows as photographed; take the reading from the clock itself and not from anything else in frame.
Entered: 2:50:38
